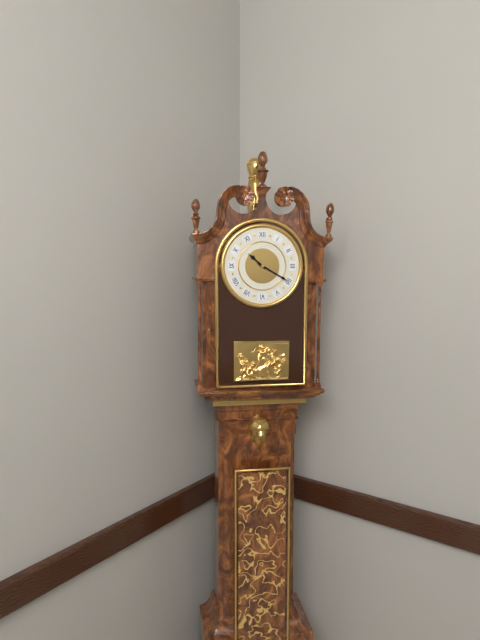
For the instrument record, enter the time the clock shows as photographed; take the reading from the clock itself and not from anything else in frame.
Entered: 10:20
